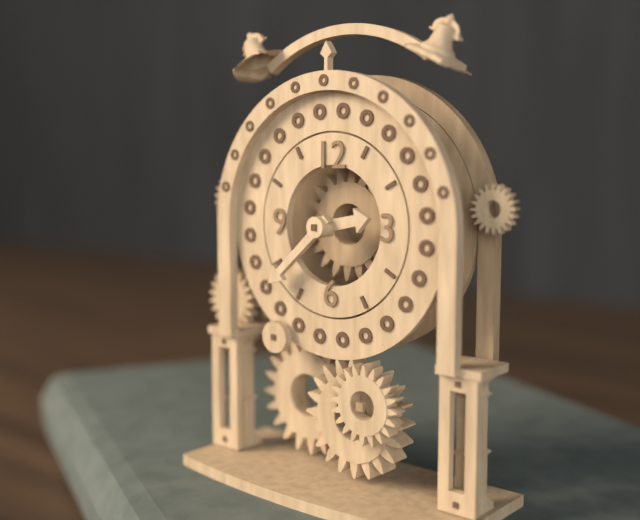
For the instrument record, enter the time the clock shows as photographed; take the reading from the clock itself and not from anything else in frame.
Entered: 2:38
